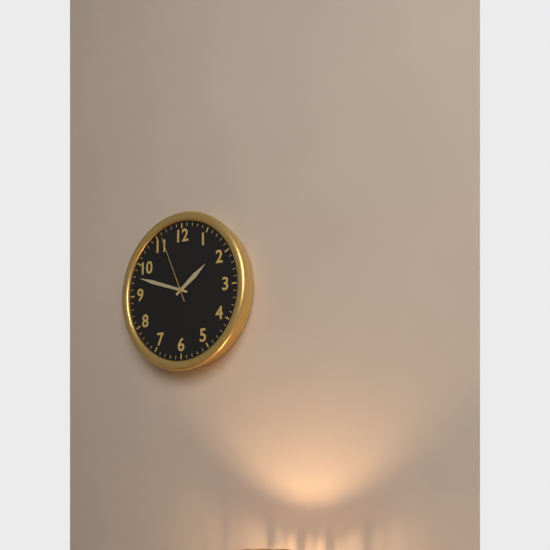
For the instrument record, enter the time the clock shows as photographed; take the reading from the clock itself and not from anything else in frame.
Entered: 1:48:56
